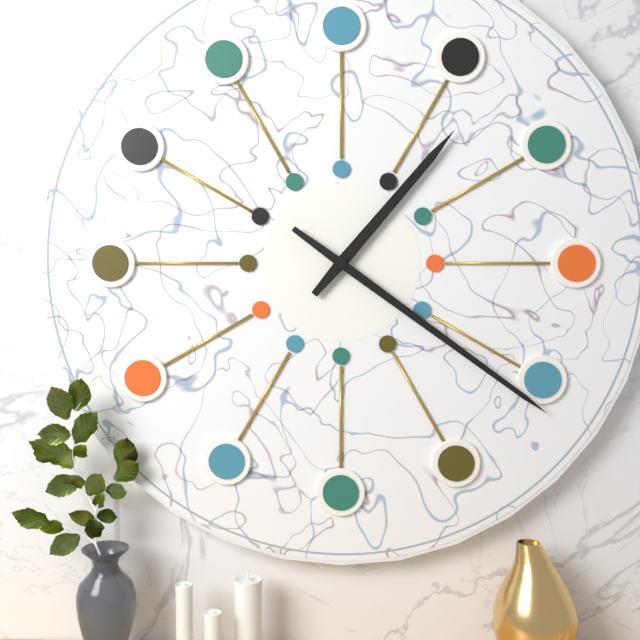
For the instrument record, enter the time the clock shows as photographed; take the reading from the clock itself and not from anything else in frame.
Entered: 1:21
